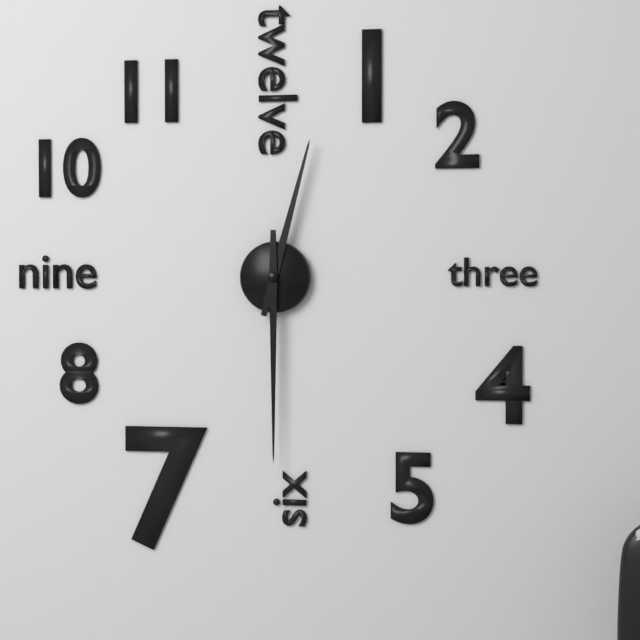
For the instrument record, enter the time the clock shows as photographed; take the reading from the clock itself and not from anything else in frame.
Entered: 12:30
